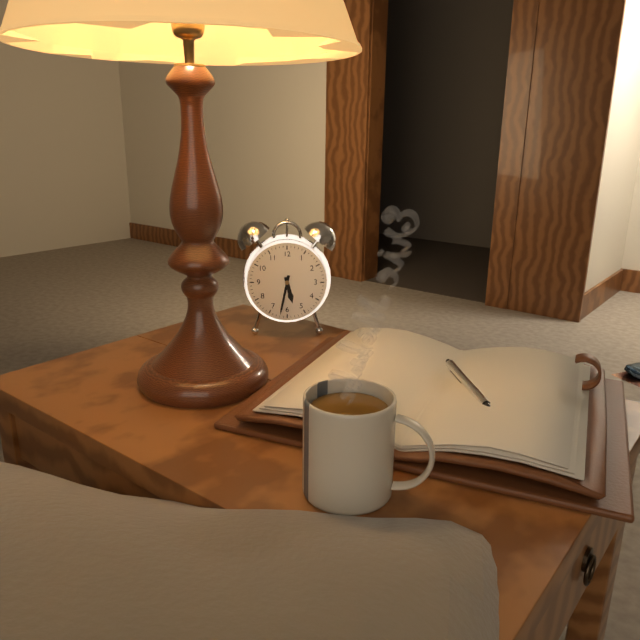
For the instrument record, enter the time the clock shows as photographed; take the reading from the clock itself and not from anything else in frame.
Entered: 5:32
